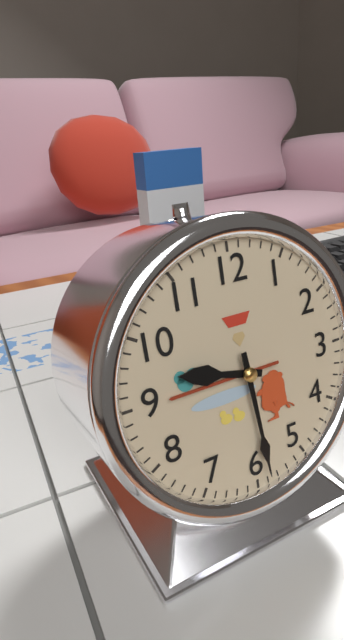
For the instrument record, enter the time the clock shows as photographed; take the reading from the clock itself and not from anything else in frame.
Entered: 9:29
